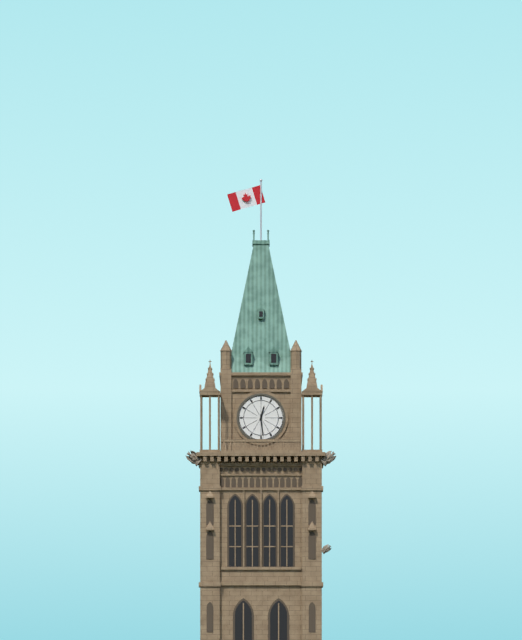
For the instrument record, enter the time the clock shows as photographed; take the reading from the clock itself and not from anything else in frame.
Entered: 12:29
